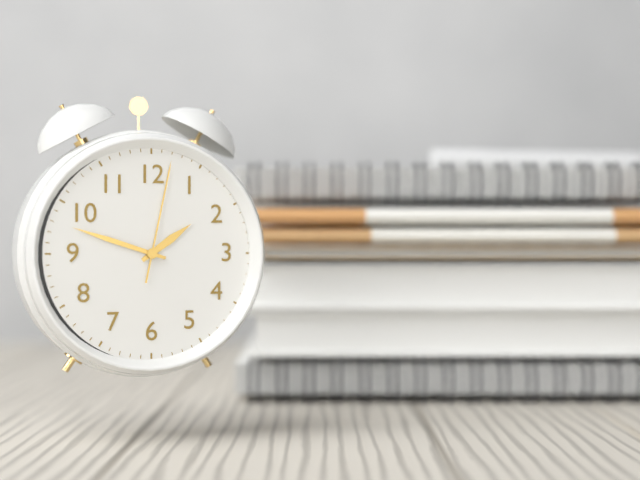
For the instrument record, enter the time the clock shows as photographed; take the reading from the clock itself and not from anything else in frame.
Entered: 1:48:02
